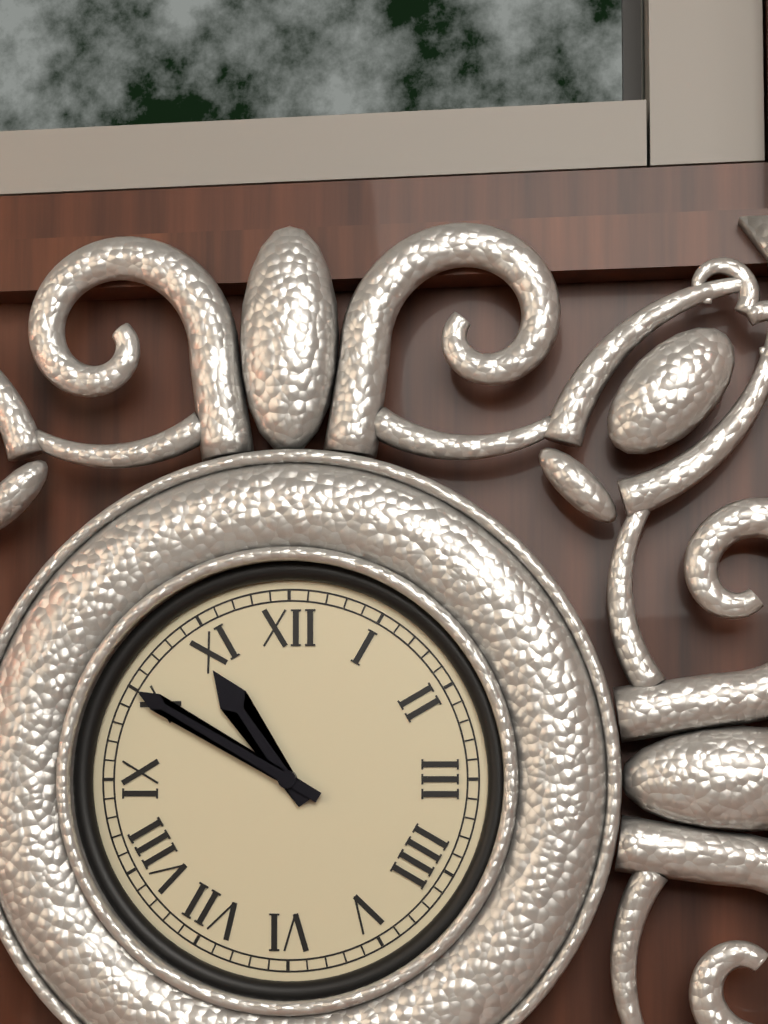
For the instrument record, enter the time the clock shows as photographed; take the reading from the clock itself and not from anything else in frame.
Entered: 10:50
